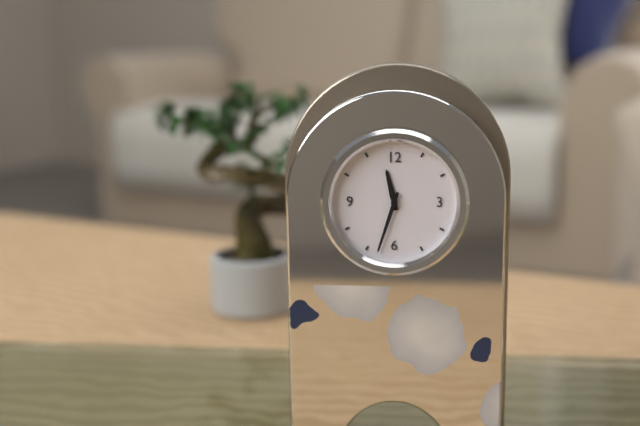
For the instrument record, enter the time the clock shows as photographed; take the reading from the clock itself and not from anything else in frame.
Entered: 11:33
